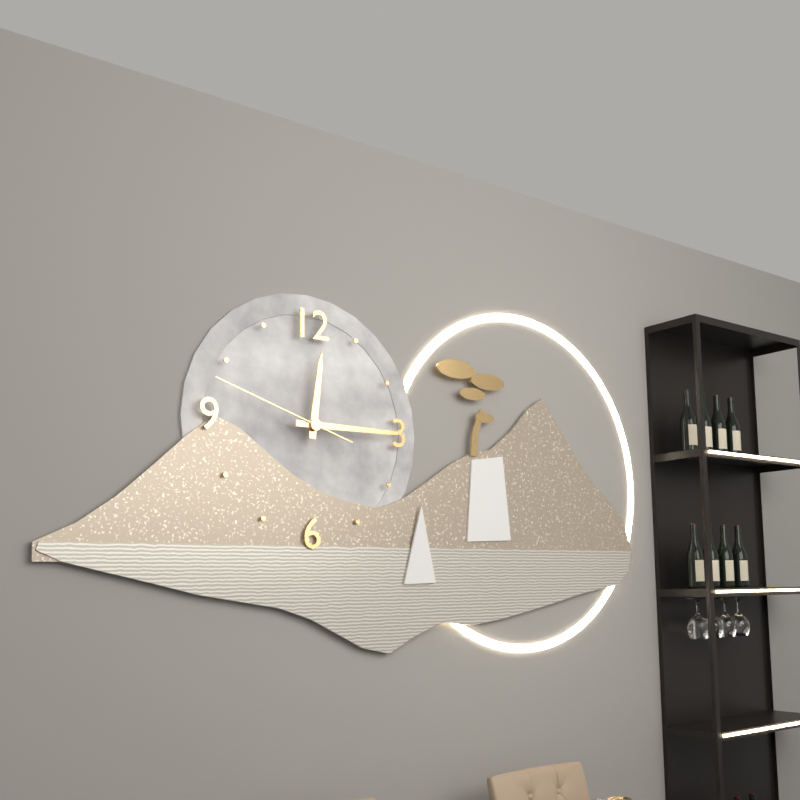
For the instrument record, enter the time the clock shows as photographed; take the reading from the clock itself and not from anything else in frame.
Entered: 12:15:48
